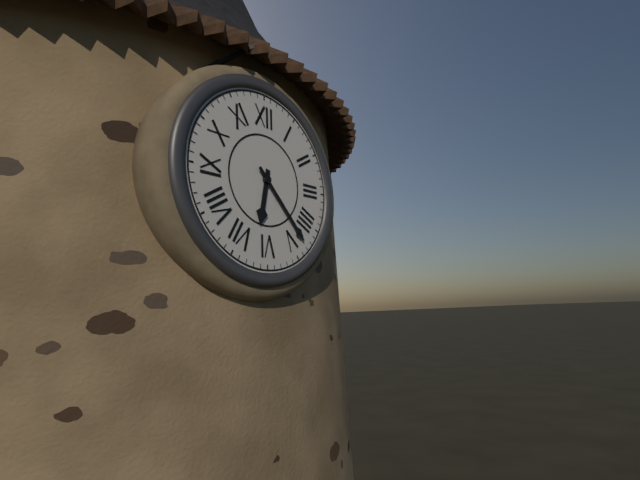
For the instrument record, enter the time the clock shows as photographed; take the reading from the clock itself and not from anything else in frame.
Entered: 6:23
